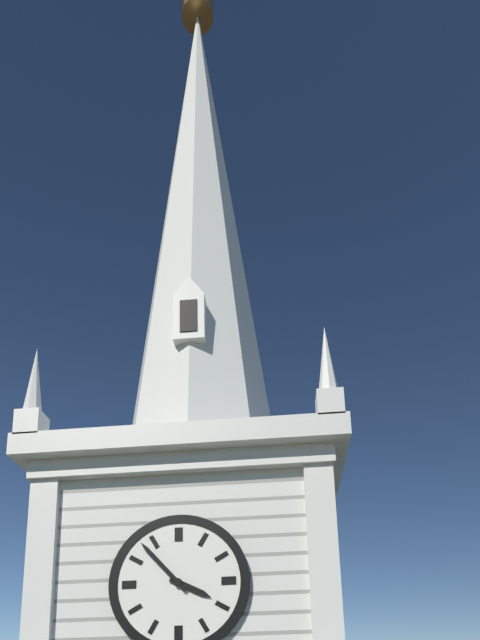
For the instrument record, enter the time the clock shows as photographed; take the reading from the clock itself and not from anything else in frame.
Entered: 3:53
